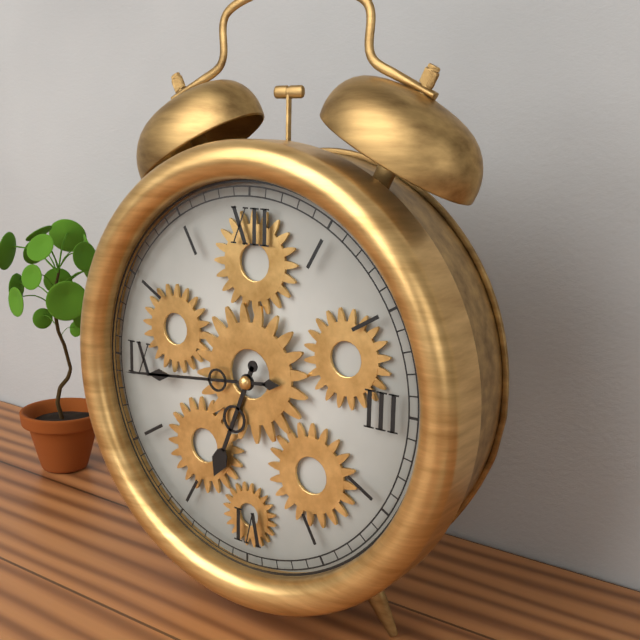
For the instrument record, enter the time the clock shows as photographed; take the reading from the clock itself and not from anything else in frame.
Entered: 6:44
